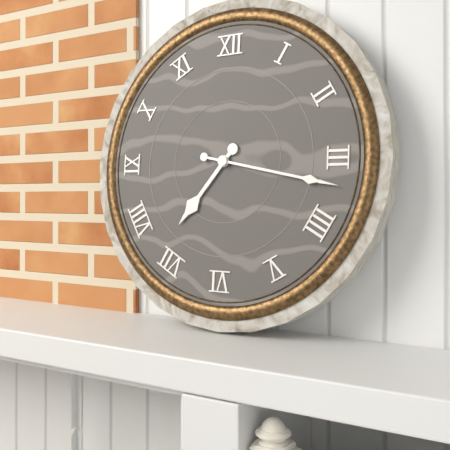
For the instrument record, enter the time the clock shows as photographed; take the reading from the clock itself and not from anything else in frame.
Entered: 7:17
